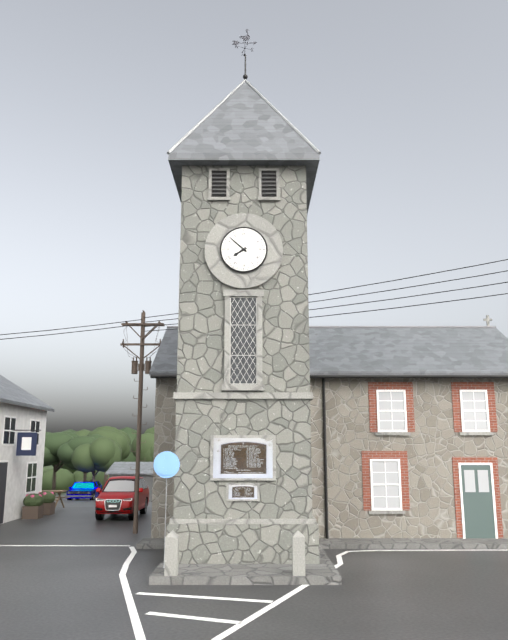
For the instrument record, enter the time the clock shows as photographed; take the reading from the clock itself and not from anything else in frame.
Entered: 7:52
